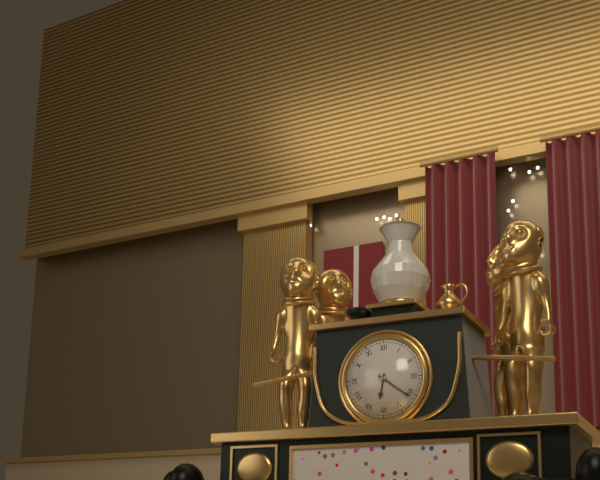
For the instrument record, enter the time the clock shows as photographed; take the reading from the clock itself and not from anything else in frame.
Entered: 6:21
